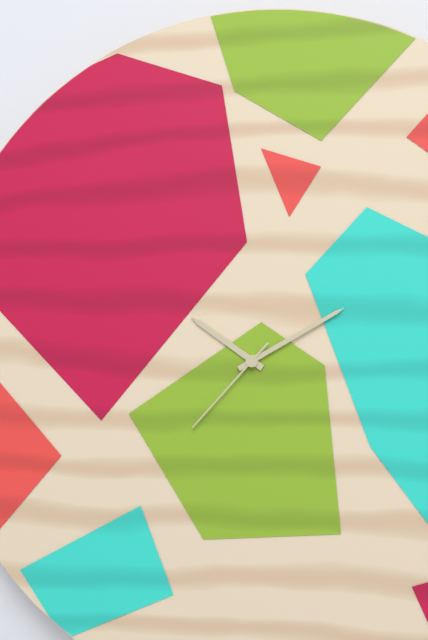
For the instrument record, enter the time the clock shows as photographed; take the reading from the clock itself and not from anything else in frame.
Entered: 10:10:37
